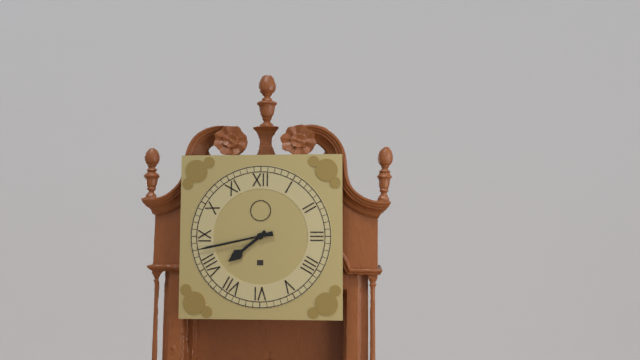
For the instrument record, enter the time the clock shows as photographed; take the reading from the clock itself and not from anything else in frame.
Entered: 7:43
